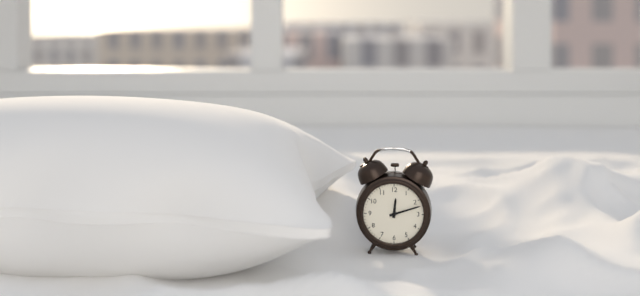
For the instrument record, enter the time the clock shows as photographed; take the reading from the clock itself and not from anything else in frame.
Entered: 12:12
